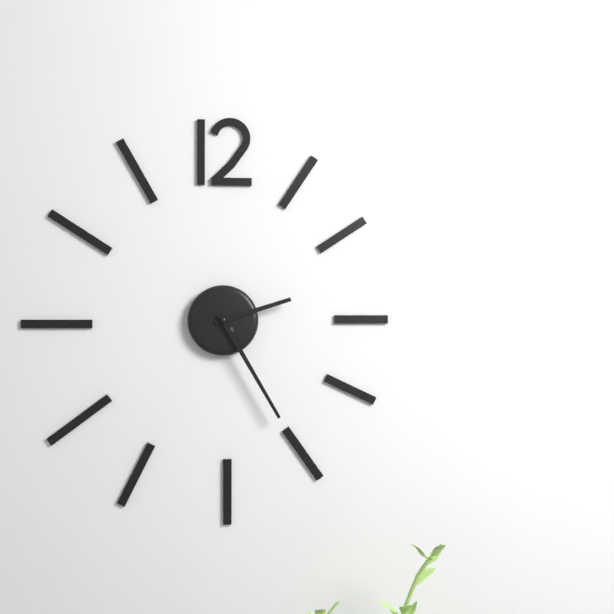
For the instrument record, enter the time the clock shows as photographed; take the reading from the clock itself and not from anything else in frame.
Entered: 2:25
